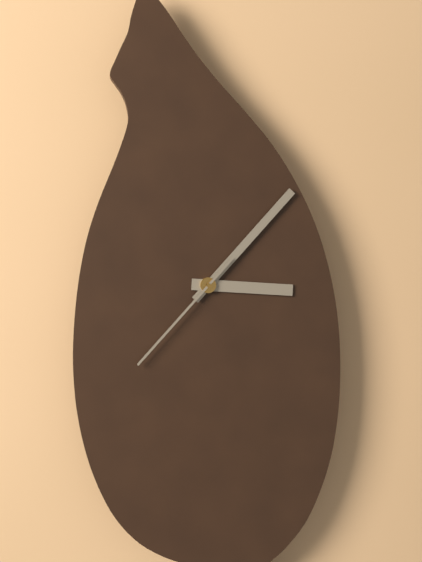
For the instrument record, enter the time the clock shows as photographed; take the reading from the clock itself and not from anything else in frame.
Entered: 3:07:37
